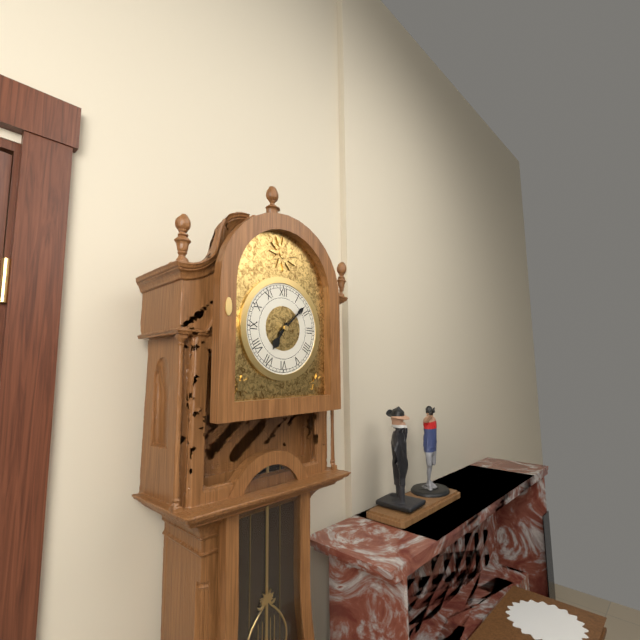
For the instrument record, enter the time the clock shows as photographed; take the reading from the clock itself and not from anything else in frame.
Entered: 7:08
